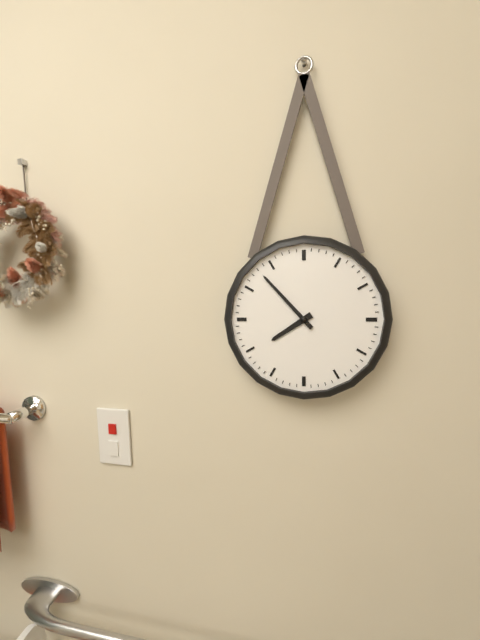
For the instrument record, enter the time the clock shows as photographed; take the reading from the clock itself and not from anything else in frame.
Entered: 7:53
